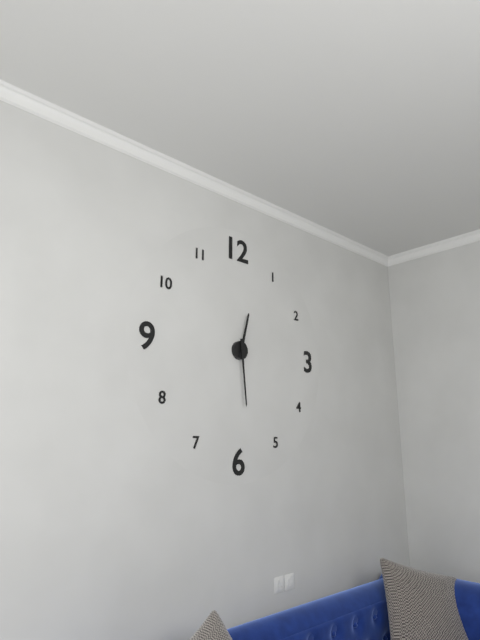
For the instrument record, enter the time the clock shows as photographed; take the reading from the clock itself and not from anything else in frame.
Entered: 12:29
